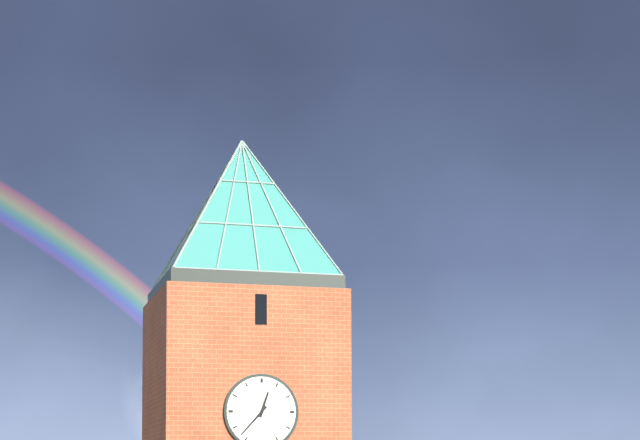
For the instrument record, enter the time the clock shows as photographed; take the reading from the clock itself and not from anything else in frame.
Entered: 12:37
